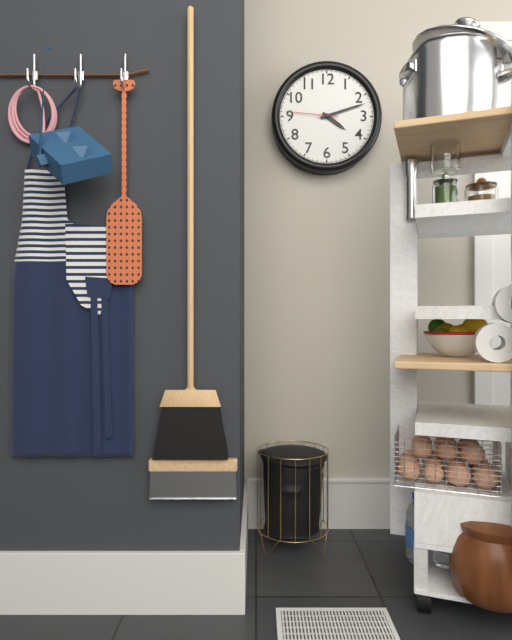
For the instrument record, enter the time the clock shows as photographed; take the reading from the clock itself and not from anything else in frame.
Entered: 4:12:46
